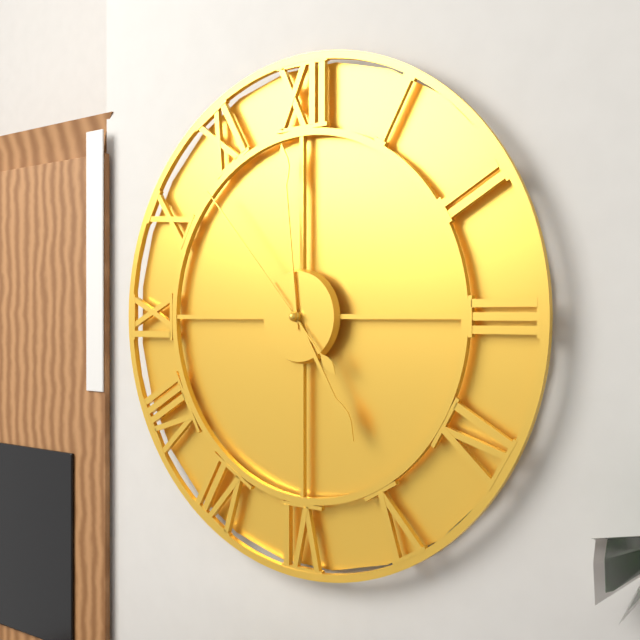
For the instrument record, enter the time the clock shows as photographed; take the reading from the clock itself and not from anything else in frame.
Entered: 4:59:53
